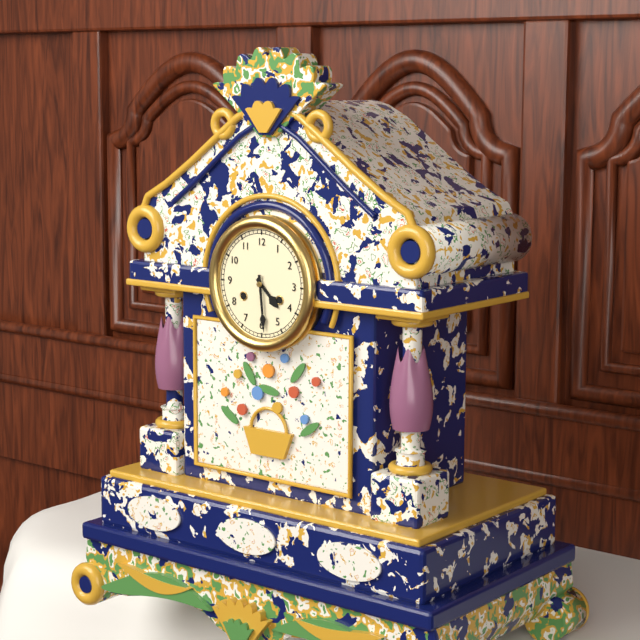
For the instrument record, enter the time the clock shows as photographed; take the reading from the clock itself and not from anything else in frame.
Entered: 4:29
